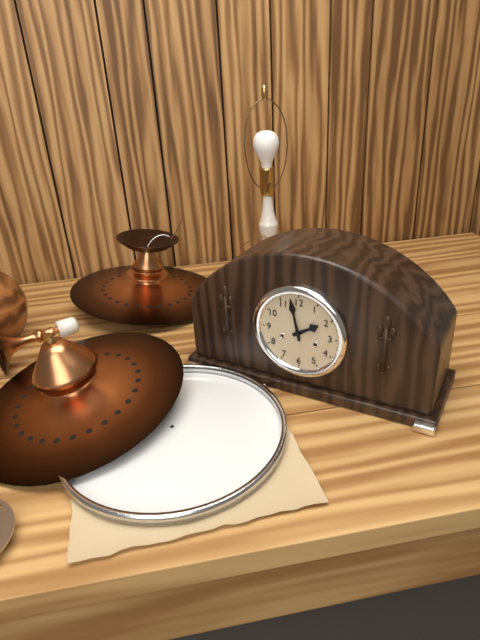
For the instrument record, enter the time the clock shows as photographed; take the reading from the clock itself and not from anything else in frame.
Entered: 1:58
